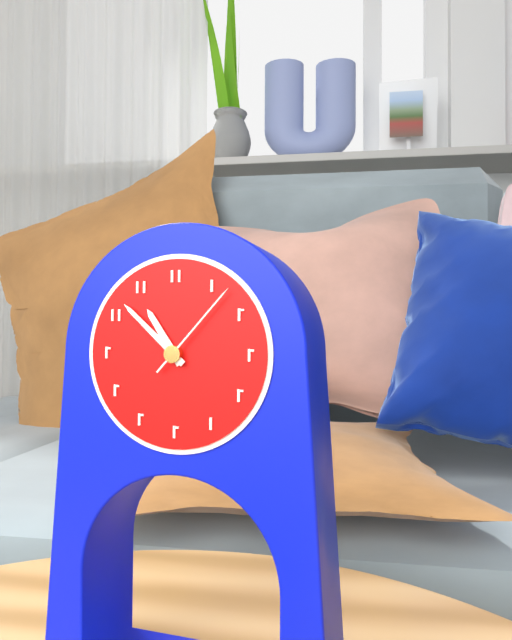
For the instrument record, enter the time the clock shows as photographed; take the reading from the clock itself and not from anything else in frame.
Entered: 10:52:07
